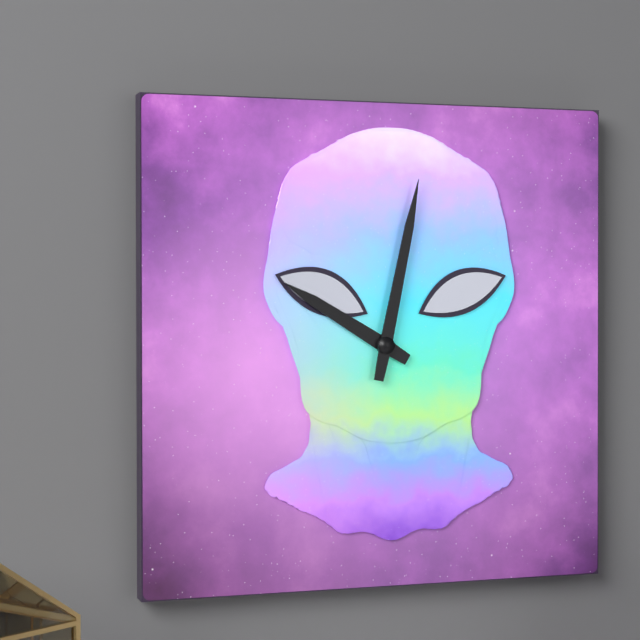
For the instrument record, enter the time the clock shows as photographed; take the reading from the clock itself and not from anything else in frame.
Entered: 10:02
